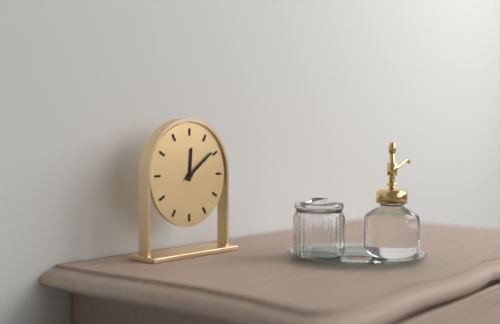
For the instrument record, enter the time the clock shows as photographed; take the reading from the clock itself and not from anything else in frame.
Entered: 12:09
